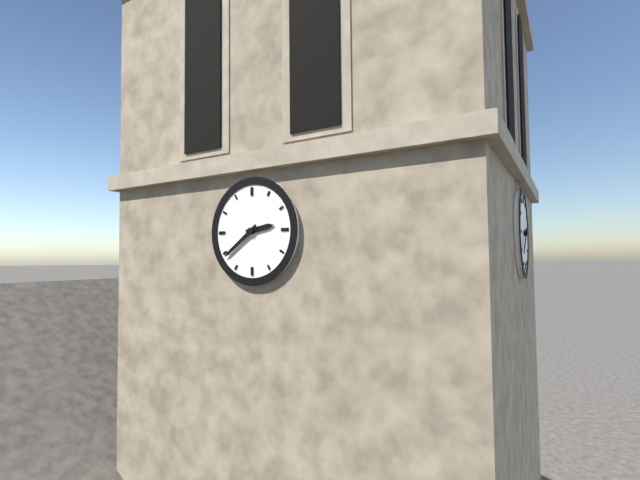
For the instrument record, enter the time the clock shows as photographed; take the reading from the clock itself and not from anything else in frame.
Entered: 2:39
